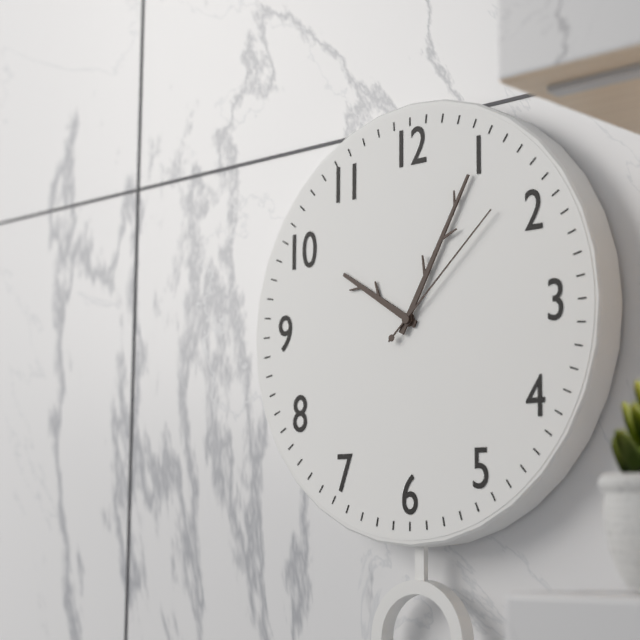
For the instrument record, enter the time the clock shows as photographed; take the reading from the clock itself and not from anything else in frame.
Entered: 10:05:08
